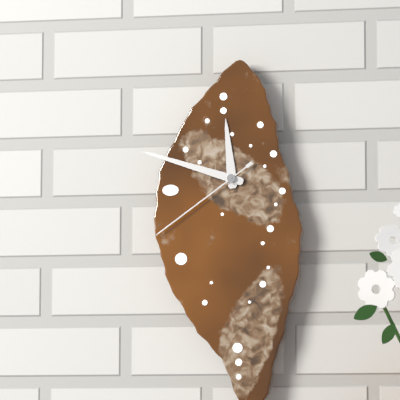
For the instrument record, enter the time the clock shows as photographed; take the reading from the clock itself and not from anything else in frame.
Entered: 11:48:39
